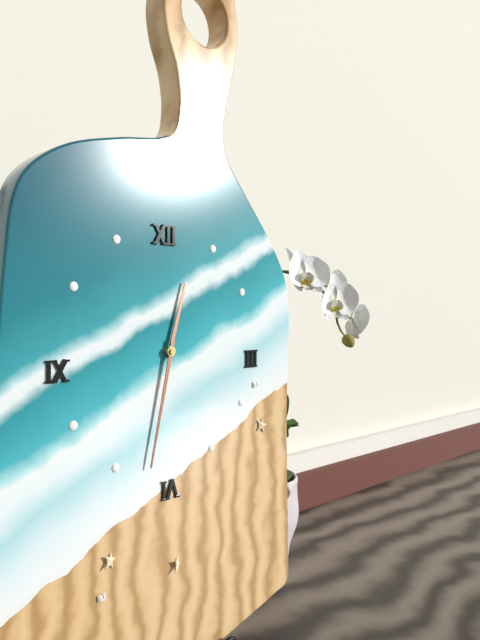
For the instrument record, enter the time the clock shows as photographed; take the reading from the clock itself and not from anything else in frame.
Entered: 12:32
